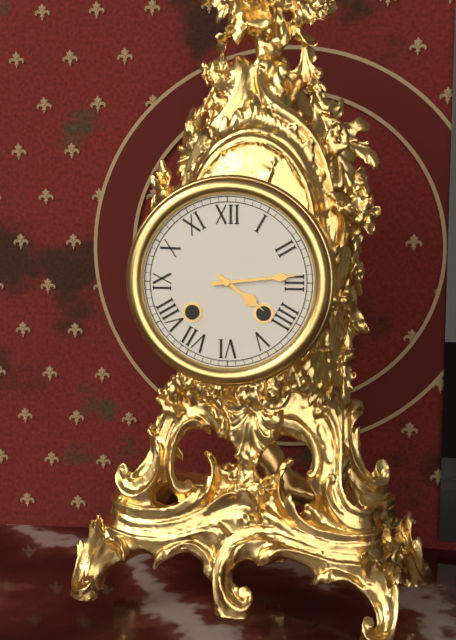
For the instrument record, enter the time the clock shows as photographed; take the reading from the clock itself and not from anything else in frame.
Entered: 4:14
